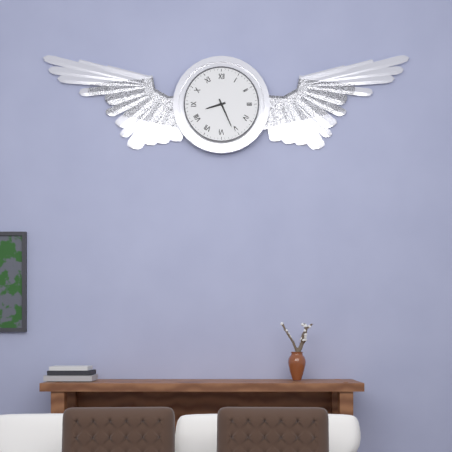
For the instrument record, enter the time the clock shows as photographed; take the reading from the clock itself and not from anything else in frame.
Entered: 8:26
